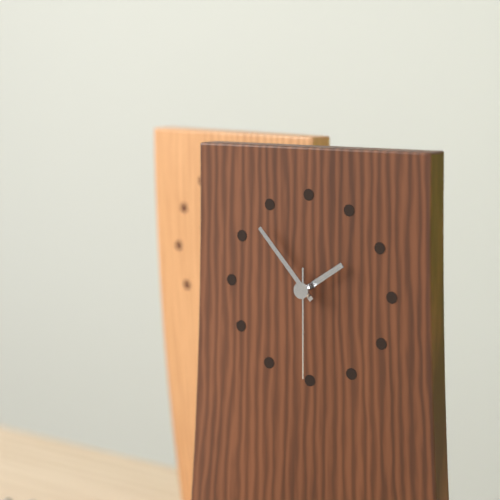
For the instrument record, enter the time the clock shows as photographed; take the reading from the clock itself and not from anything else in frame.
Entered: 1:53:30
